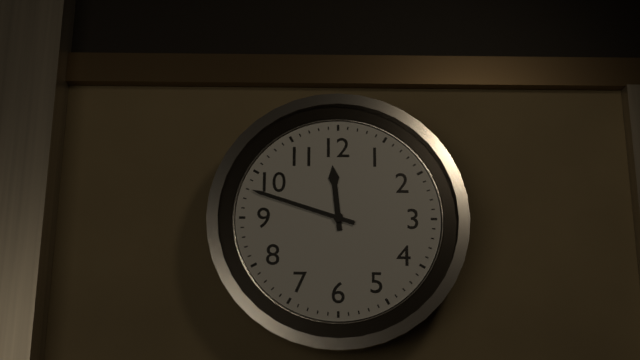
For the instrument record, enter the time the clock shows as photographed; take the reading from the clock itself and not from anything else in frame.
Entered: 11:48
